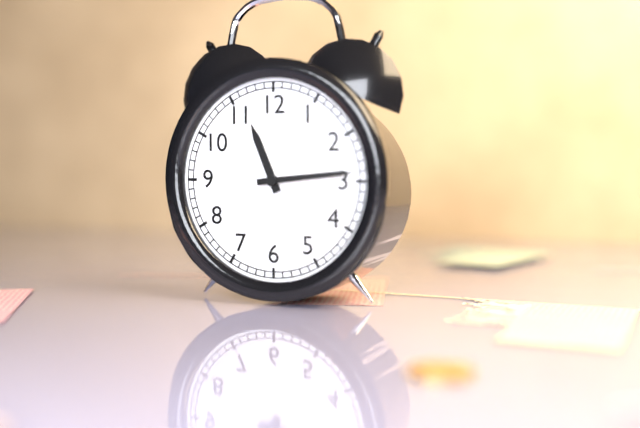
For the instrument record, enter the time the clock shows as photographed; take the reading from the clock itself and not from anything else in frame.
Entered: 11:14
